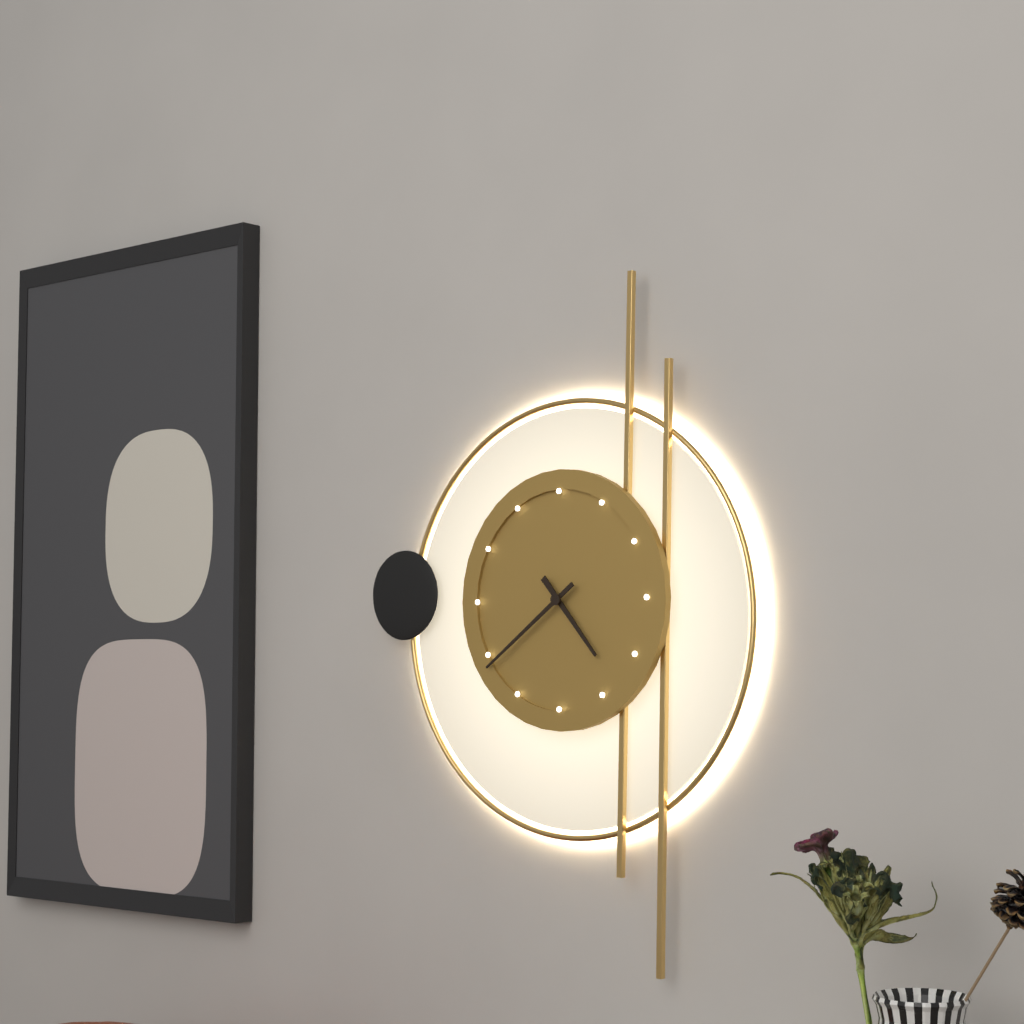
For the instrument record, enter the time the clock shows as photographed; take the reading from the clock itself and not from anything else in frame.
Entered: 4:39
